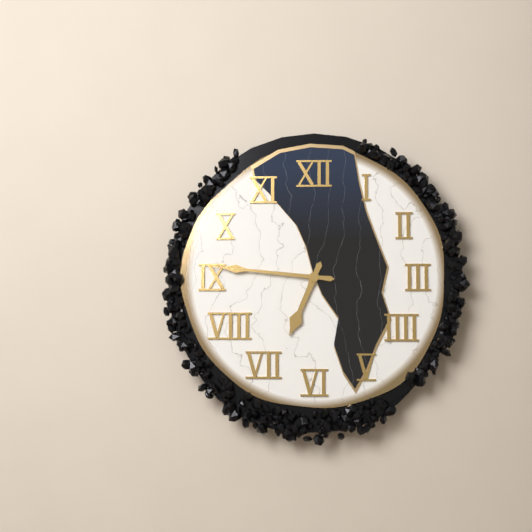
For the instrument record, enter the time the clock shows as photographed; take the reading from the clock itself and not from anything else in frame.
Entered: 6:46
